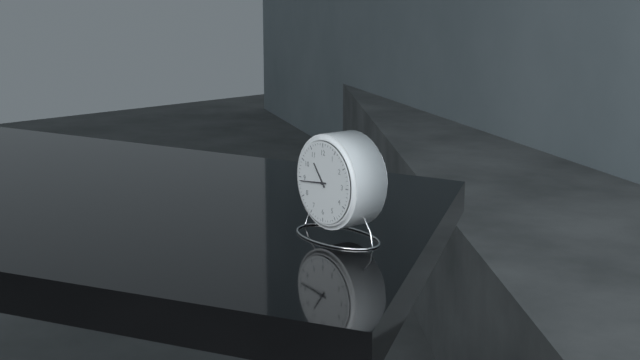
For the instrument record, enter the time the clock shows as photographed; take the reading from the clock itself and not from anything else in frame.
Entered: 10:44
